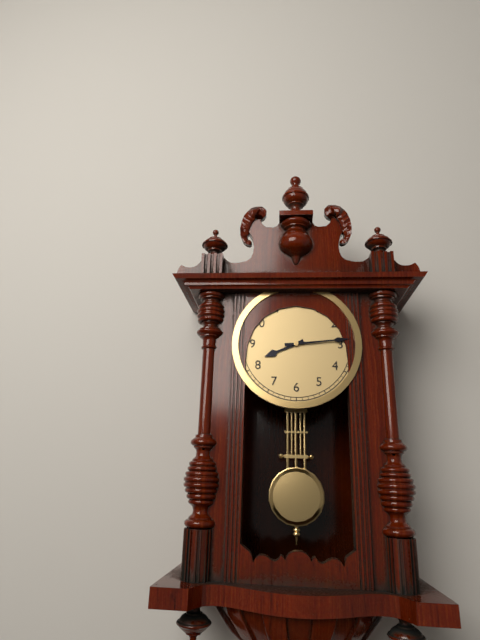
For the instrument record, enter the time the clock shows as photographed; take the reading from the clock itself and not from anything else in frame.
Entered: 8:14
